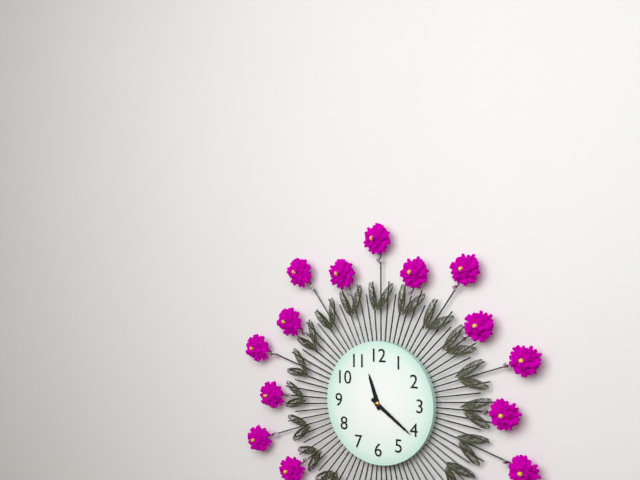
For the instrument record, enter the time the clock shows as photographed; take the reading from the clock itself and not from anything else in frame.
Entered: 11:21
